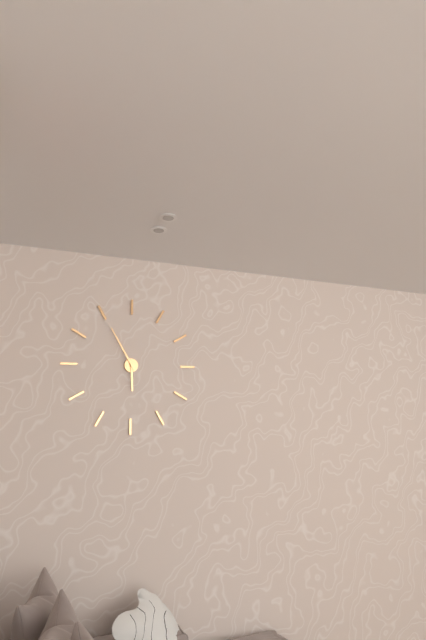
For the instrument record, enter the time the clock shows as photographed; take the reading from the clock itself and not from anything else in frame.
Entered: 5:55
